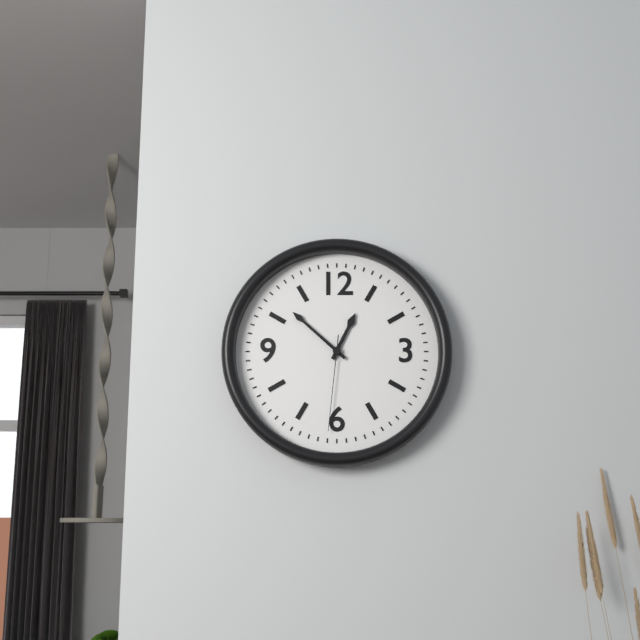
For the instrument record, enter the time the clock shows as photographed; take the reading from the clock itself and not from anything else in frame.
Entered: 12:52:31
